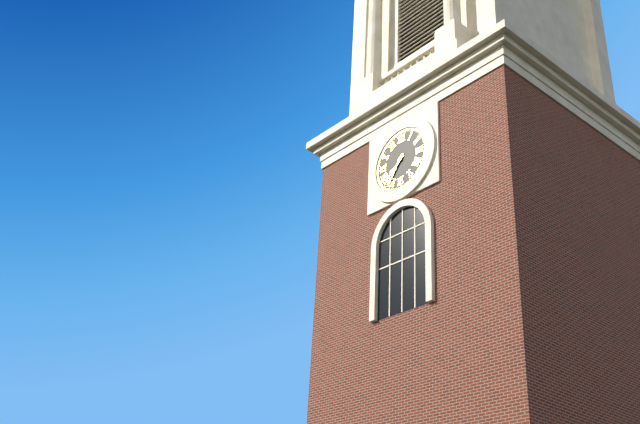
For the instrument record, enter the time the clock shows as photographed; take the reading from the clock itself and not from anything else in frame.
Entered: 7:36
